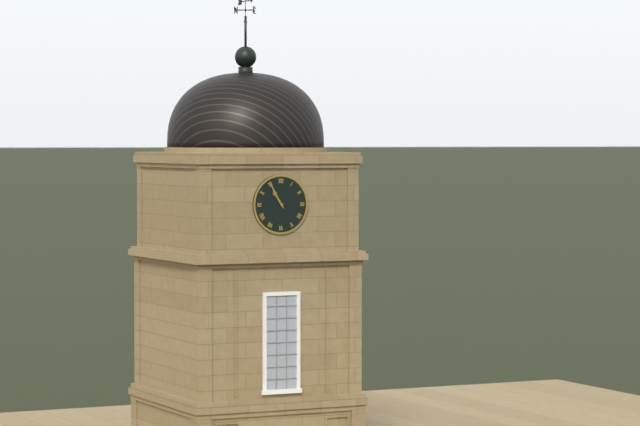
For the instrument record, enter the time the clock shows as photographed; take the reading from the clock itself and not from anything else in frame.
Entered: 10:55
